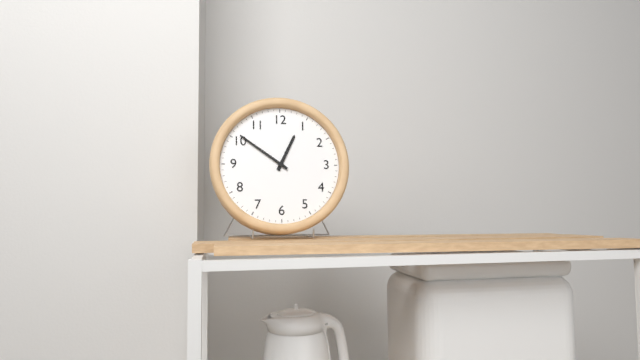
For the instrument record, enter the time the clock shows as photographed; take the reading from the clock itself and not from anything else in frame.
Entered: 12:51
